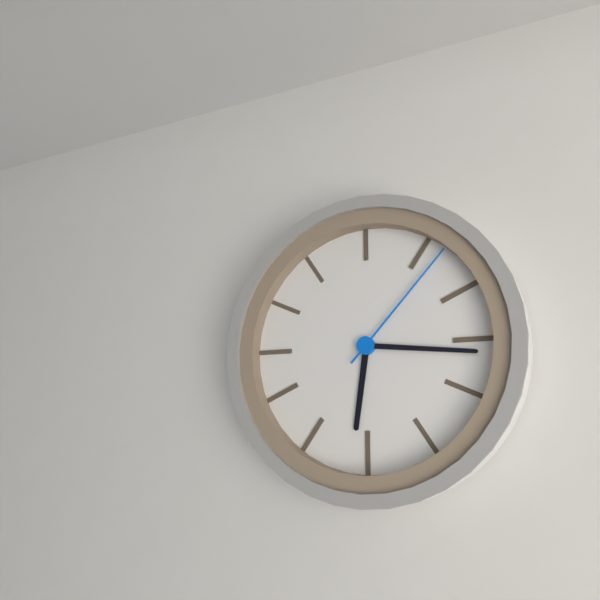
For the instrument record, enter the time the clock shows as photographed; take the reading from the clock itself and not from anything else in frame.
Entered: 6:16:07
